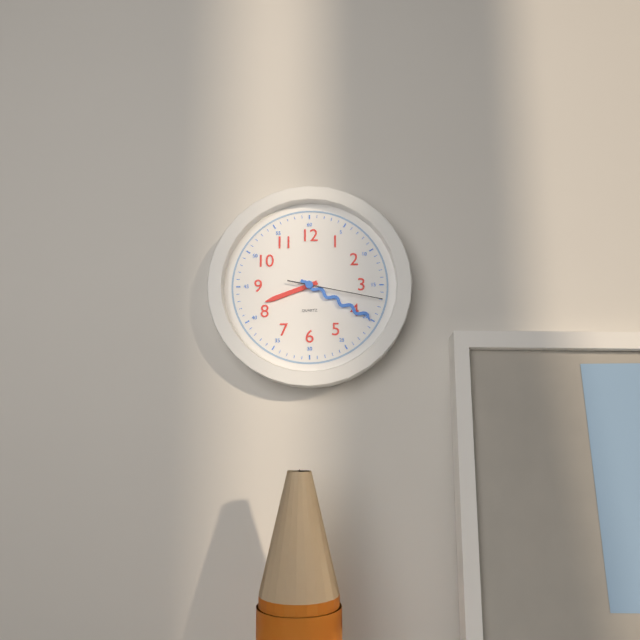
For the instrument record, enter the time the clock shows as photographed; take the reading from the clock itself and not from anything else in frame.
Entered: 8:20:17
